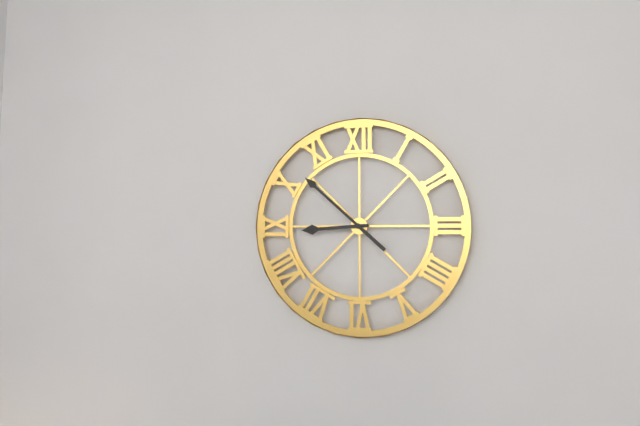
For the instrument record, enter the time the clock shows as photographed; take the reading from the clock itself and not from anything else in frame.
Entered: 8:52
